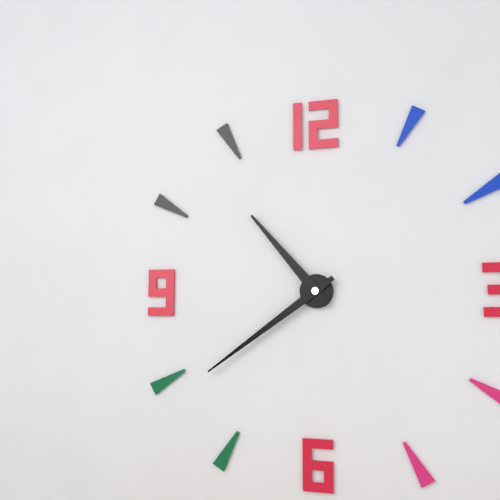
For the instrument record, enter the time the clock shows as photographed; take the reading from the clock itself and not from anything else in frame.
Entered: 10:39
